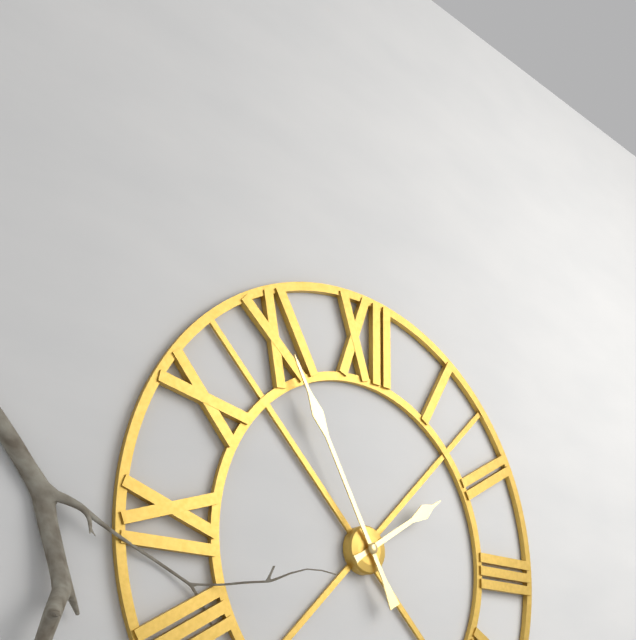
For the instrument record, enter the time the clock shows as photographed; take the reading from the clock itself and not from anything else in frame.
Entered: 1:55
